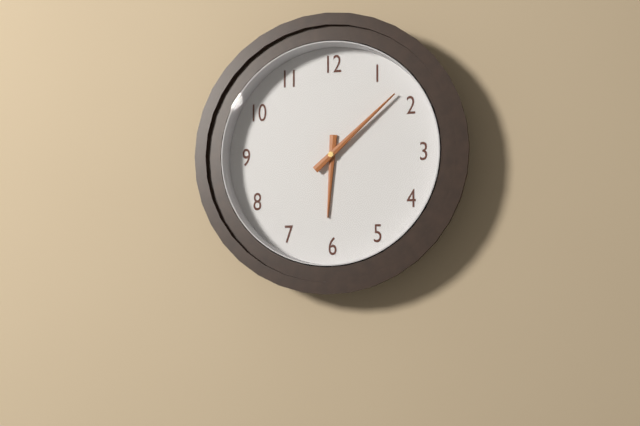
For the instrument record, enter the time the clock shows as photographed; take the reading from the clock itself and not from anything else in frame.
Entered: 6:08
